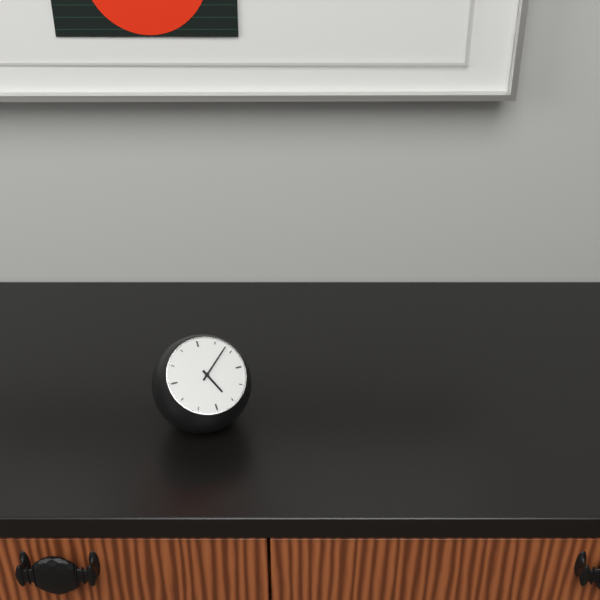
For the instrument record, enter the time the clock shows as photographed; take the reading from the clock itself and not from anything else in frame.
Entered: 5:08
